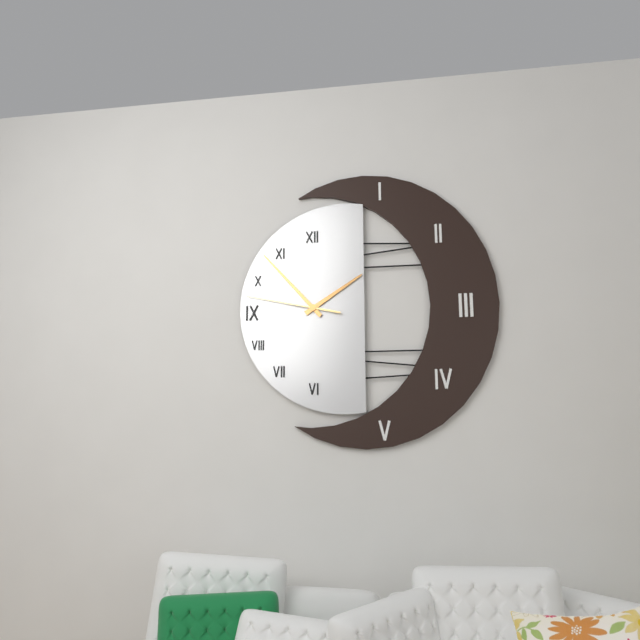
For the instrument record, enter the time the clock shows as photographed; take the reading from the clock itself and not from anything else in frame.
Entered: 1:53:47
